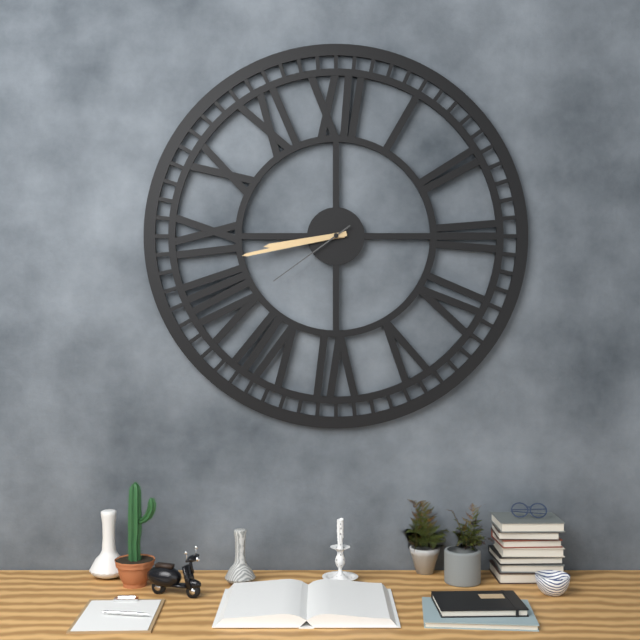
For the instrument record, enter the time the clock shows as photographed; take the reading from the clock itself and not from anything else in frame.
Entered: 8:43:39
